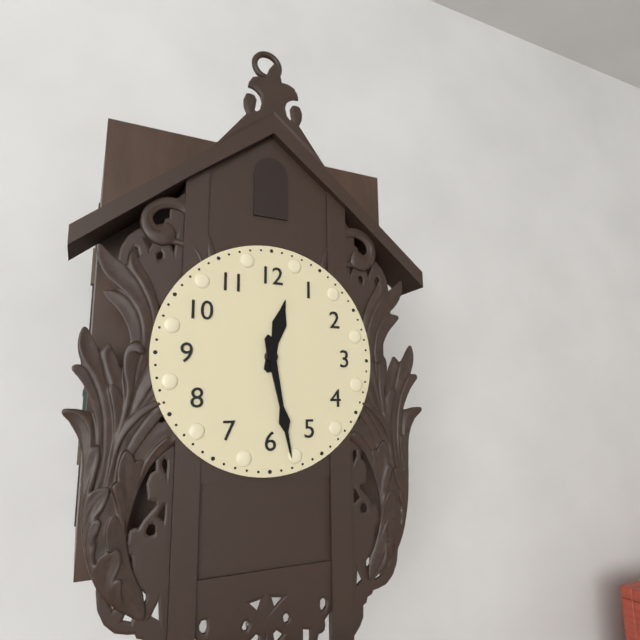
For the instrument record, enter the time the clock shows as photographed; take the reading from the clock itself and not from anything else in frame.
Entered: 12:28
